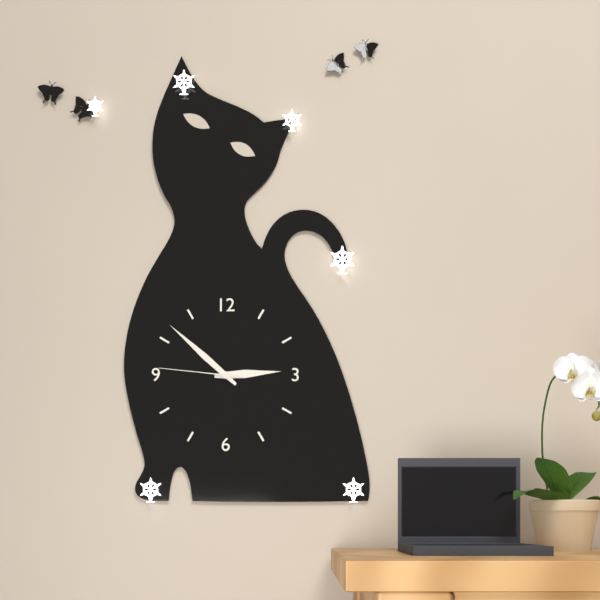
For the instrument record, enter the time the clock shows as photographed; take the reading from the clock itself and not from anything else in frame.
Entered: 2:52:46
